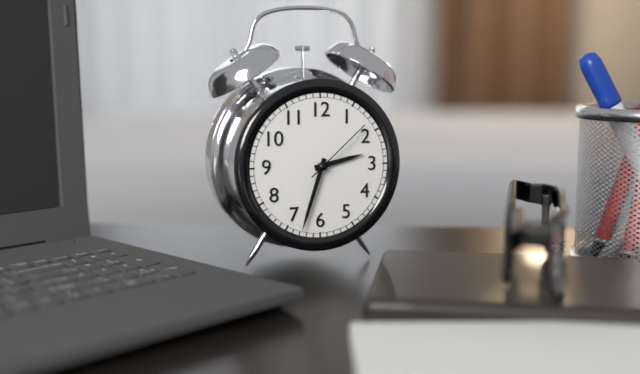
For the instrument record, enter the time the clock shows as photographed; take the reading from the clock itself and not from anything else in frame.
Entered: 2:33:08
